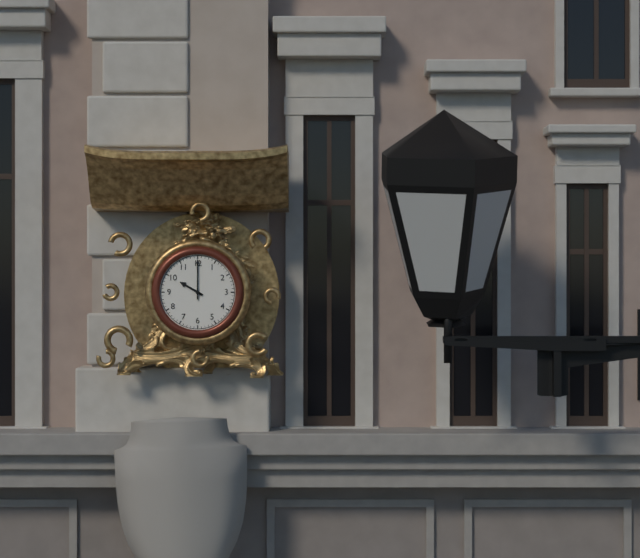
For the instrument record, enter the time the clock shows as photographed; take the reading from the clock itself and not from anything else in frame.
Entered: 10:00
